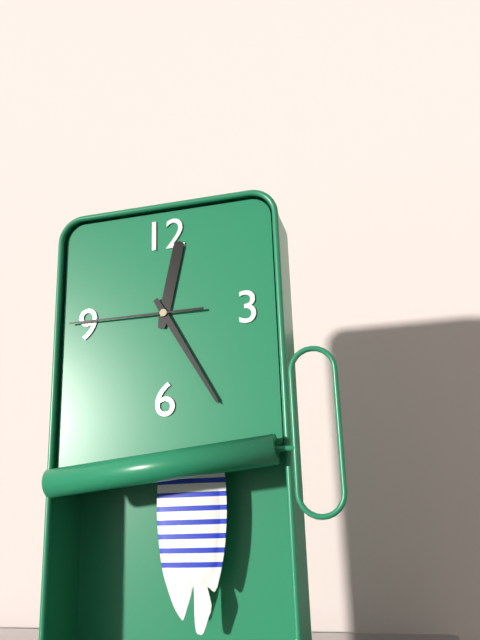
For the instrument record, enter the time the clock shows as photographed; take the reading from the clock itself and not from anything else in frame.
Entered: 12:25:45
